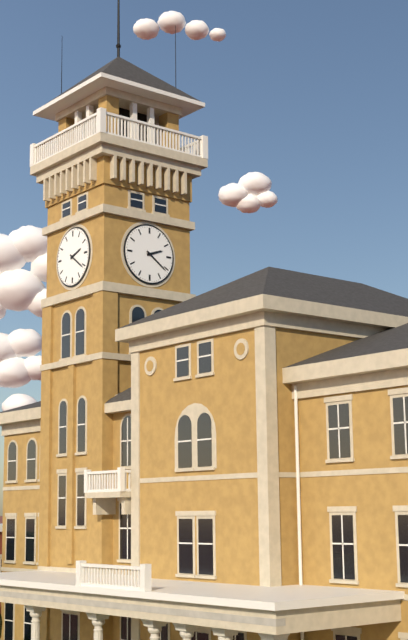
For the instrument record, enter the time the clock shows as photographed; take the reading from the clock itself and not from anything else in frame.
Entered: 2:21
